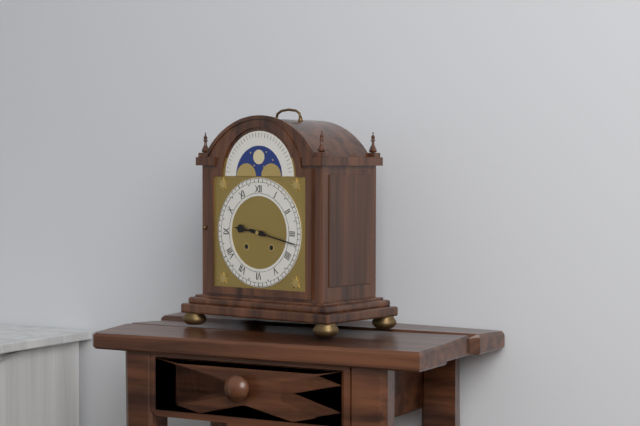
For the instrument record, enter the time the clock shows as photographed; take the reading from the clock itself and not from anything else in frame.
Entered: 9:17
